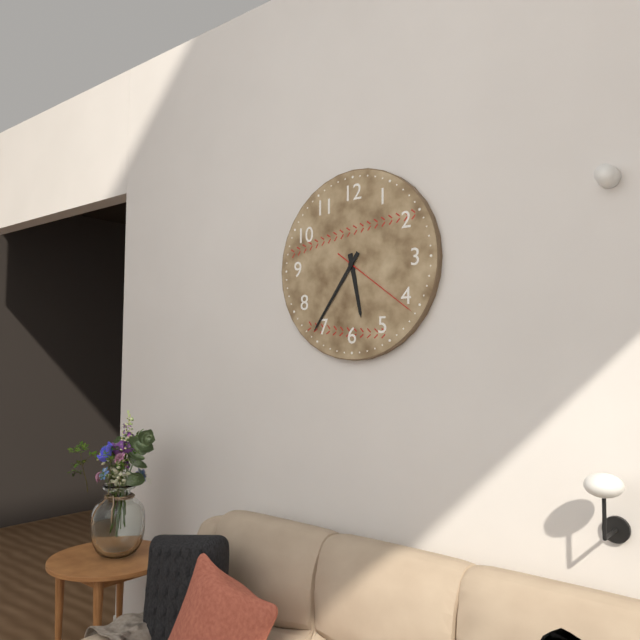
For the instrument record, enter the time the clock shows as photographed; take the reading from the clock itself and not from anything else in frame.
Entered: 5:36:21
